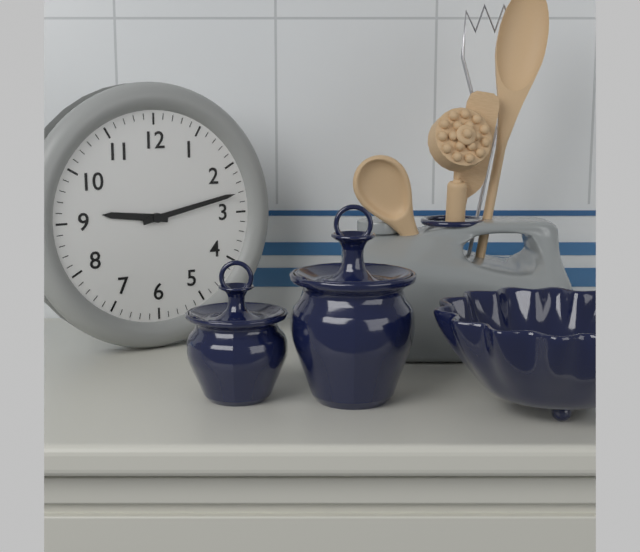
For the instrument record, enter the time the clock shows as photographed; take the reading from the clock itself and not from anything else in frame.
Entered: 9:13
